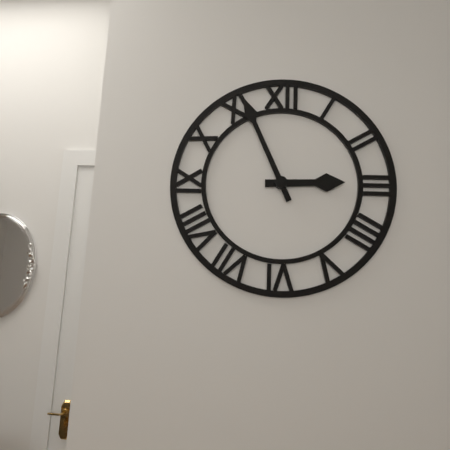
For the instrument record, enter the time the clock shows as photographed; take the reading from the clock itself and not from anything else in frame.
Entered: 2:56
